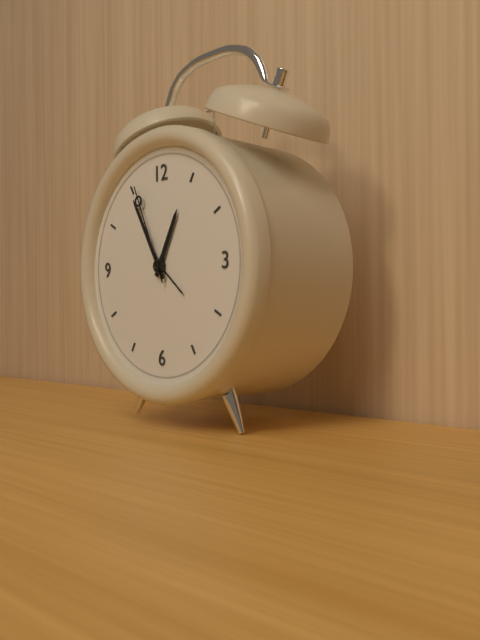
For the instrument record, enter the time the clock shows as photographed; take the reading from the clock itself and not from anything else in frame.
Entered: 12:55:56
